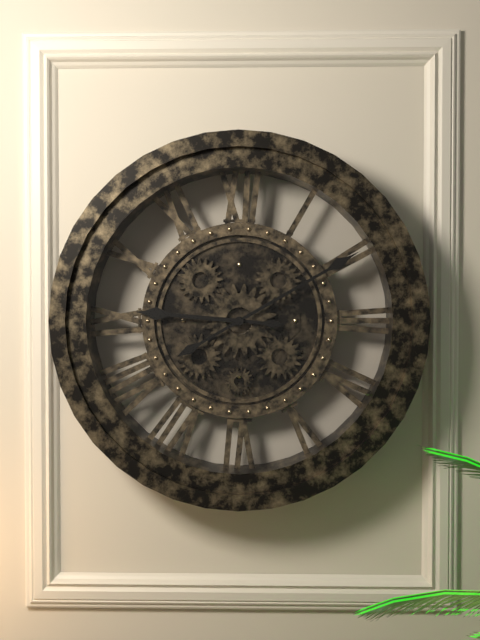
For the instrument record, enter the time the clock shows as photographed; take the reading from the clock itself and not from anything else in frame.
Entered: 9:10
